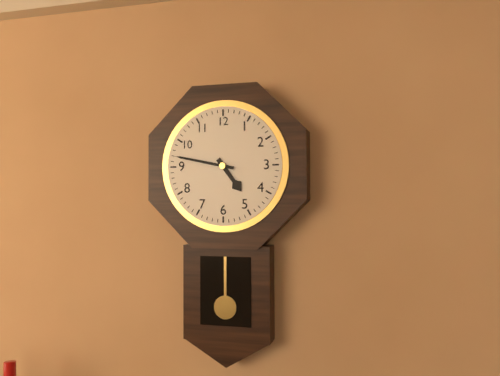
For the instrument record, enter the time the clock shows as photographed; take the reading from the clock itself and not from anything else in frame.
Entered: 4:47
